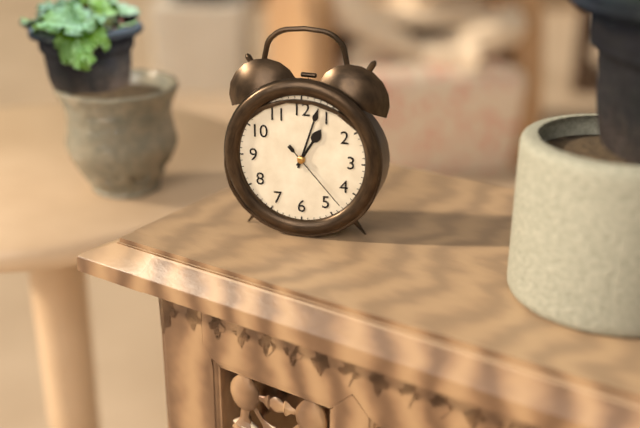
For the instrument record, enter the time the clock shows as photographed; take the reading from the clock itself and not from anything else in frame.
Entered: 1:03:23
